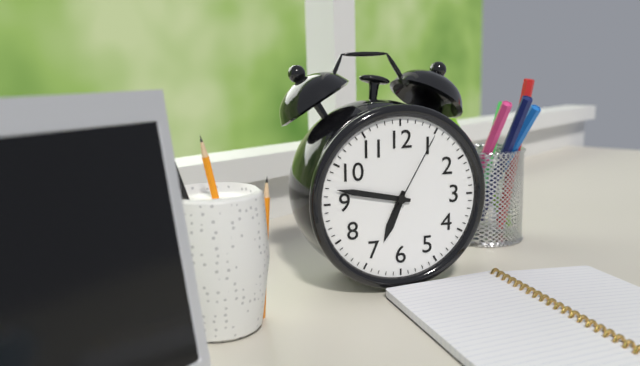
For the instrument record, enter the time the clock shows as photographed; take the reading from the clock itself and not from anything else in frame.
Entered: 6:47:05
